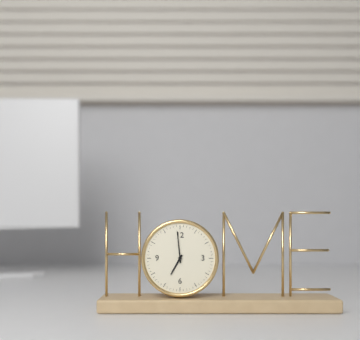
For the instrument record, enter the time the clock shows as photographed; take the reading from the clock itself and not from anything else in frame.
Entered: 6:59
